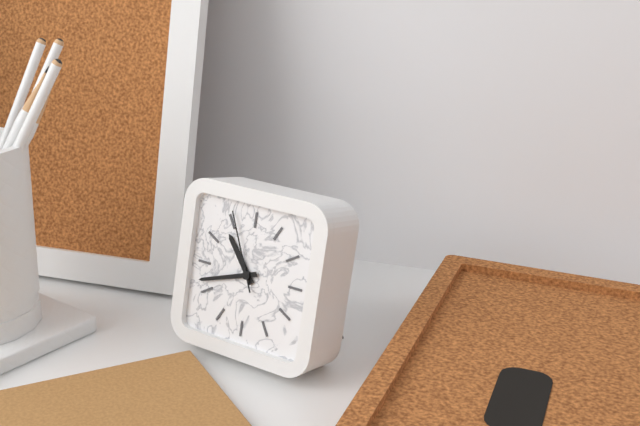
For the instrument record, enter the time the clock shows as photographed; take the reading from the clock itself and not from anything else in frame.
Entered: 10:42:56
